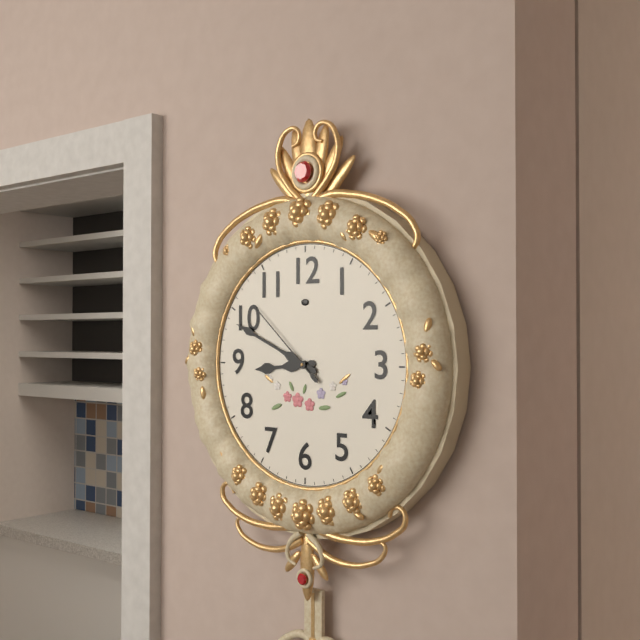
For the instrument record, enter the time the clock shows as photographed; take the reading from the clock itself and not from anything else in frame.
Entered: 8:49:52
